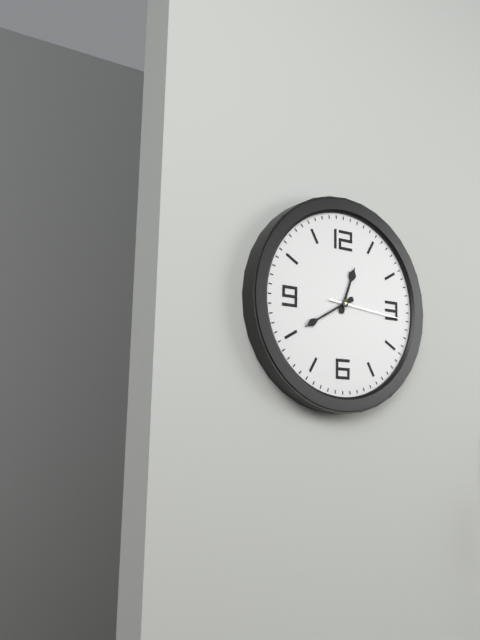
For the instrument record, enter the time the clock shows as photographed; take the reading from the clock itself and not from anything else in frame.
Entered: 12:40:16
